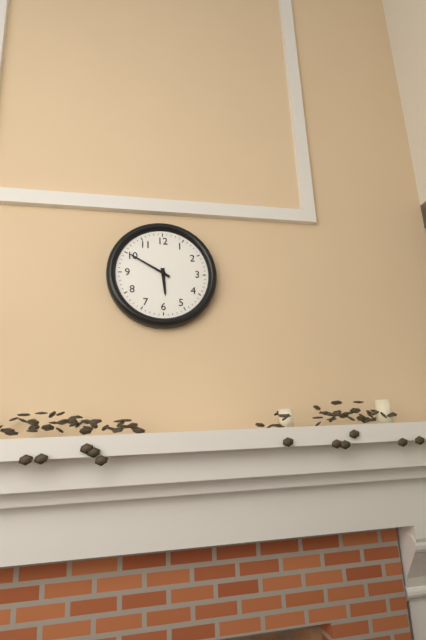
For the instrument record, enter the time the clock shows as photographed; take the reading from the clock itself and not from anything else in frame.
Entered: 5:50
